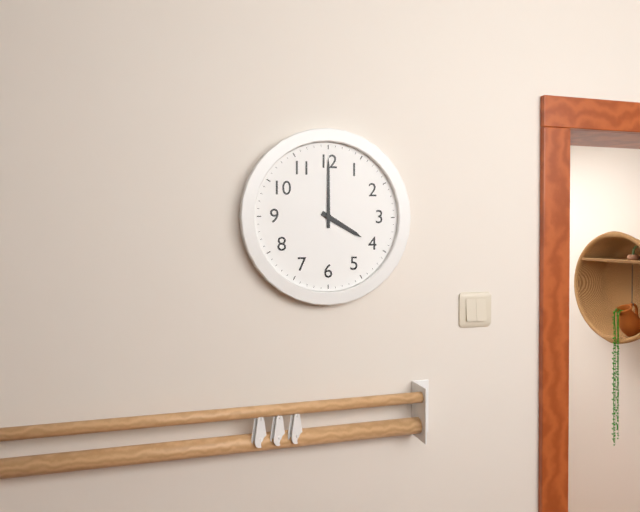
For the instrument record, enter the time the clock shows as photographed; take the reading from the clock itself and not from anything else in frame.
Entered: 4:00
